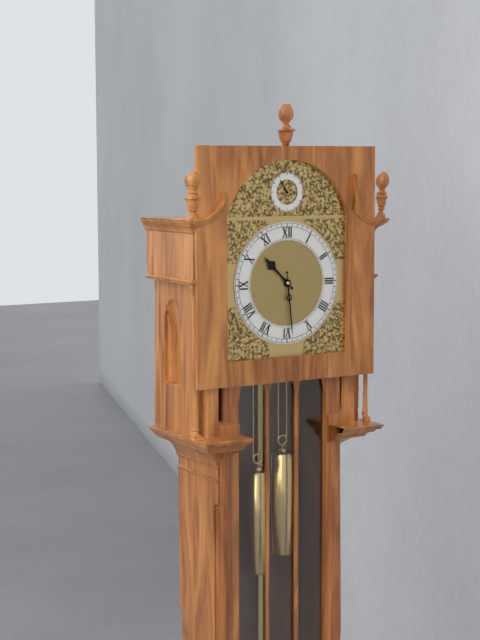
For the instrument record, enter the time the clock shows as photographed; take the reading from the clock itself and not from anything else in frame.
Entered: 10:29
